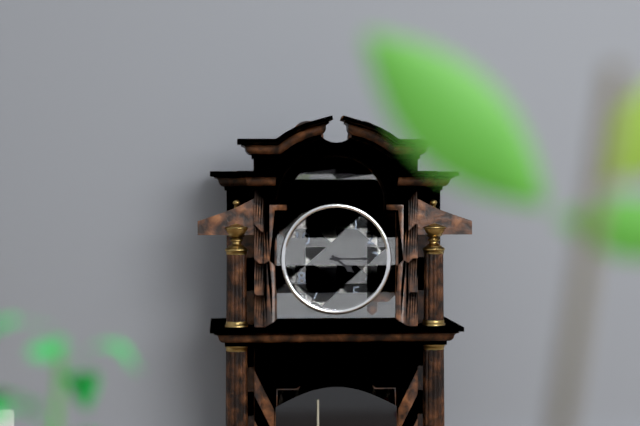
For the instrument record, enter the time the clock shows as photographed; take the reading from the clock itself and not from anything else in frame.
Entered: 4:15
